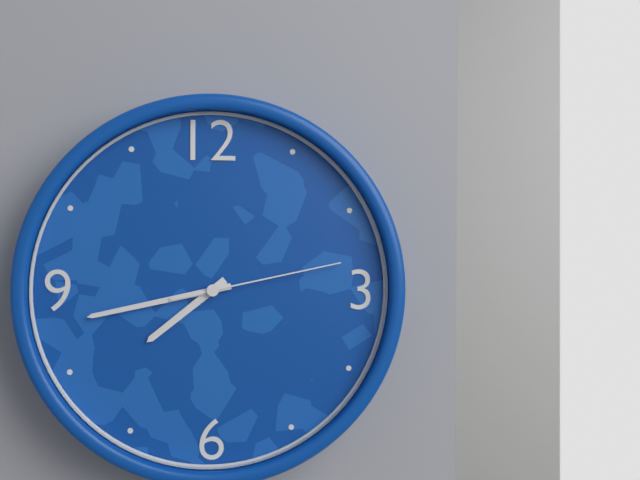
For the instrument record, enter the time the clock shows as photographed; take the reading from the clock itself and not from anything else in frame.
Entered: 7:43:13
